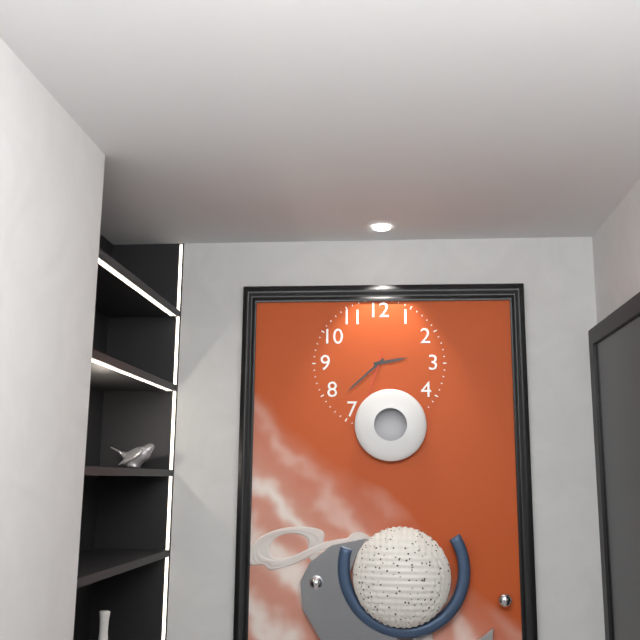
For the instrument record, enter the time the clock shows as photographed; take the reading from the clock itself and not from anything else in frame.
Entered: 2:38
